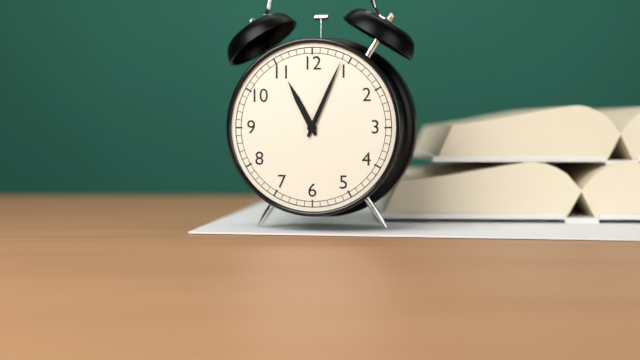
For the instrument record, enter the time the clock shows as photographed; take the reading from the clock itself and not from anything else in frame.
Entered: 11:04
